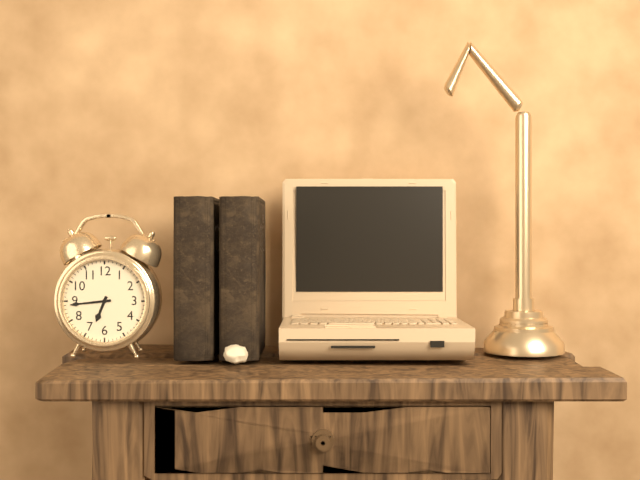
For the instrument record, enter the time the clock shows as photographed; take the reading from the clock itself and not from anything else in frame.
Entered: 6:44
